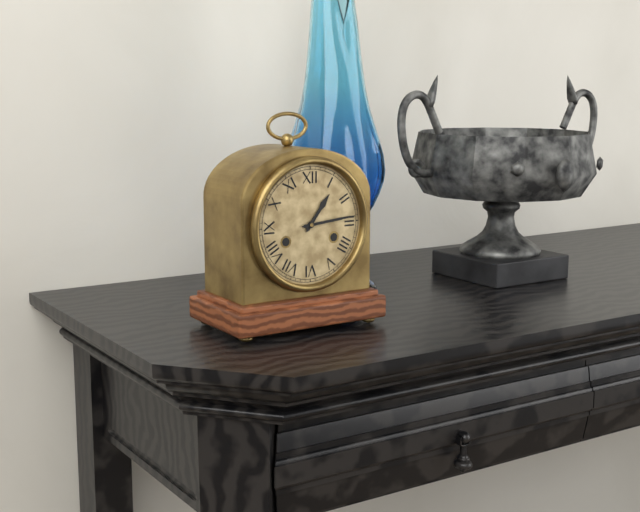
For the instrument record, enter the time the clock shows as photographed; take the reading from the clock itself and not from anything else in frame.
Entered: 1:14
